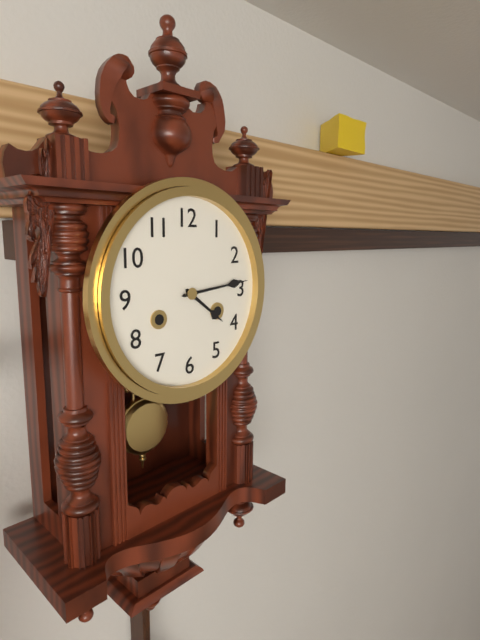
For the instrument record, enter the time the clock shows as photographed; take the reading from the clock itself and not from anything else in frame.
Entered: 4:14
